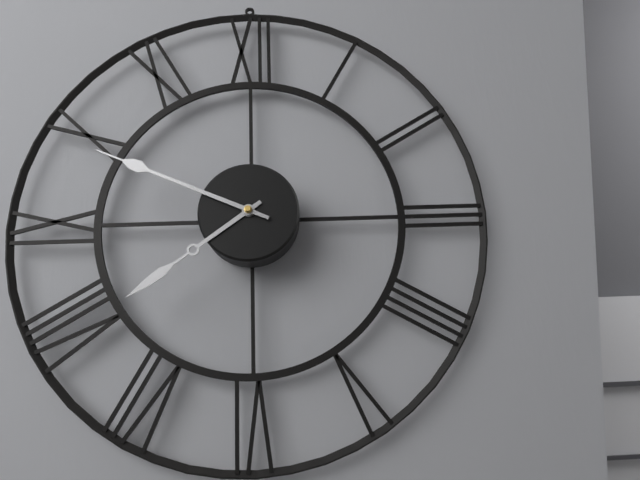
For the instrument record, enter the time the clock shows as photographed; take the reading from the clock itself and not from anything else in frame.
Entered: 7:49
